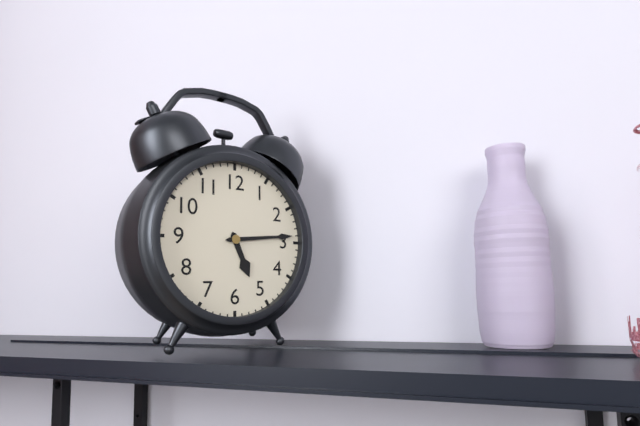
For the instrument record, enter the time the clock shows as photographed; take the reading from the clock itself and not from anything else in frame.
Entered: 5:14
